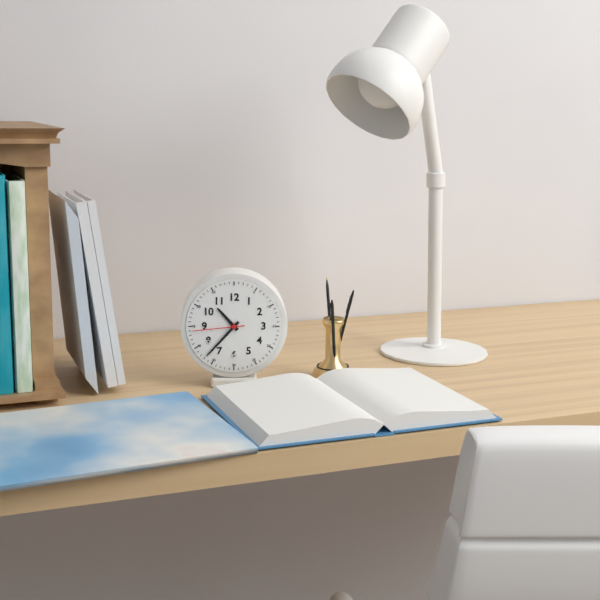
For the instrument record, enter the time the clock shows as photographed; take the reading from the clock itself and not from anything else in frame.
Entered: 10:37:44
